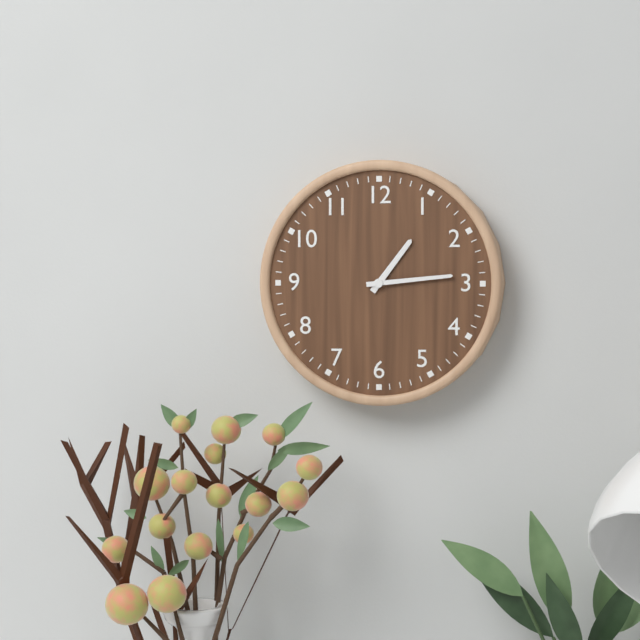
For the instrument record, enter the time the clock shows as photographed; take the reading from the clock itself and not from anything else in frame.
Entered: 1:14
